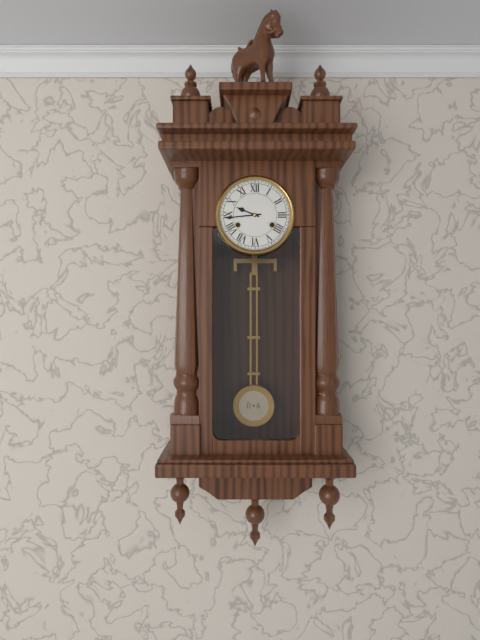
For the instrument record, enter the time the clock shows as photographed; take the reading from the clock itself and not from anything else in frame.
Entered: 9:44
